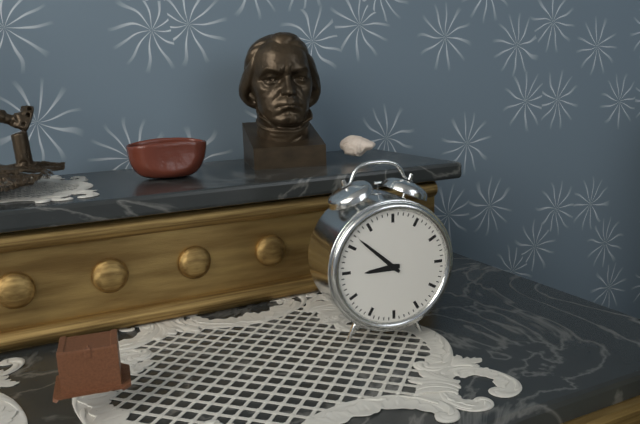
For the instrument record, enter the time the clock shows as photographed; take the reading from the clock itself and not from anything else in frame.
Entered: 8:52
